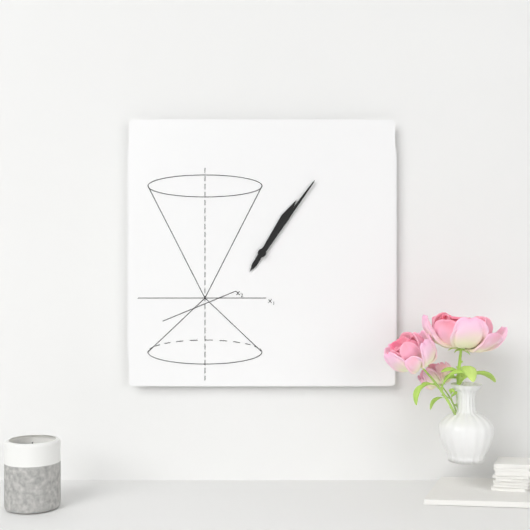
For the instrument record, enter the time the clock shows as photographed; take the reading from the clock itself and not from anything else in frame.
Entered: 1:06
